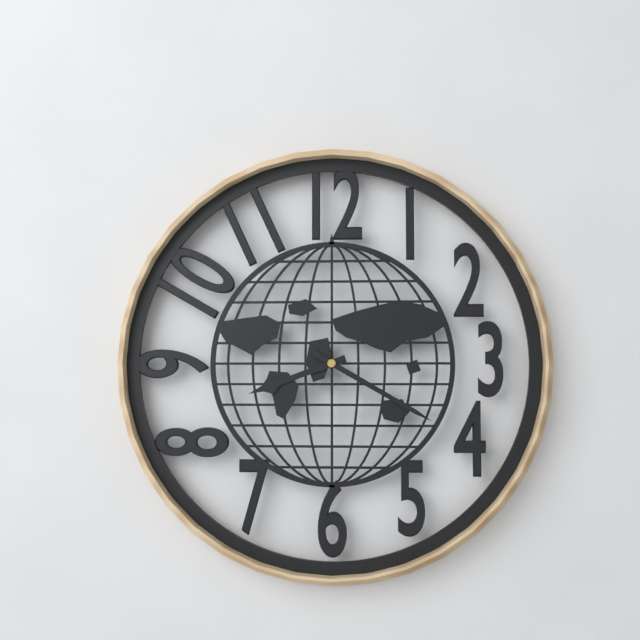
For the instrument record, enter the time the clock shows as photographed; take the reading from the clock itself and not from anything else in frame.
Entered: 8:20
